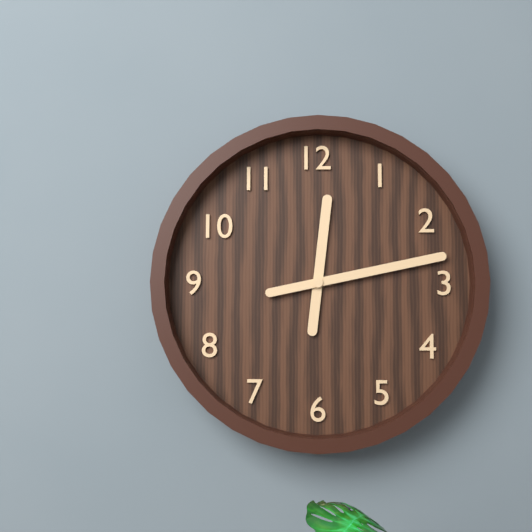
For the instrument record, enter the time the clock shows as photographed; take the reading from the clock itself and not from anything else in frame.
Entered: 12:13
